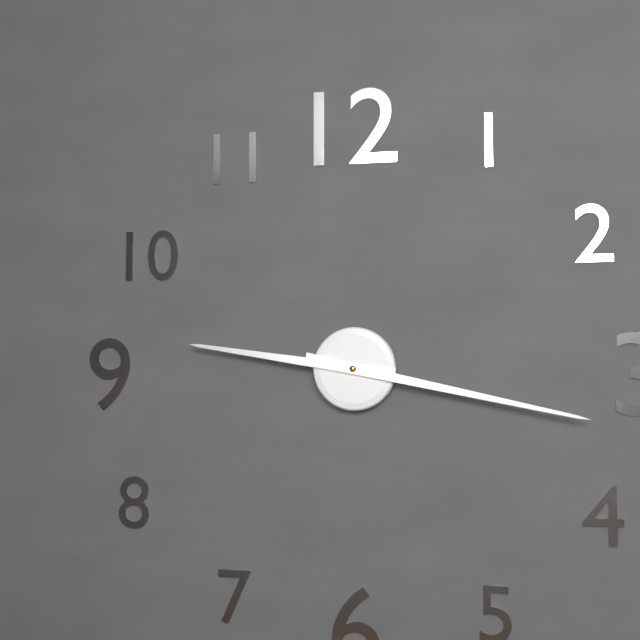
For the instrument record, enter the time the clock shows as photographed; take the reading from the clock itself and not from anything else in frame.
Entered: 9:17
